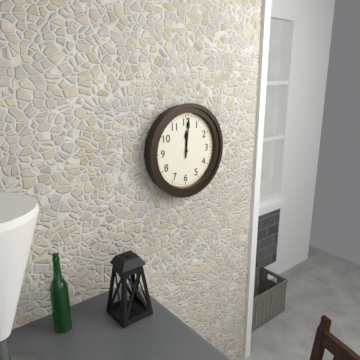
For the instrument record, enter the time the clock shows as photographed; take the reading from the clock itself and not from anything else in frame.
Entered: 12:01
